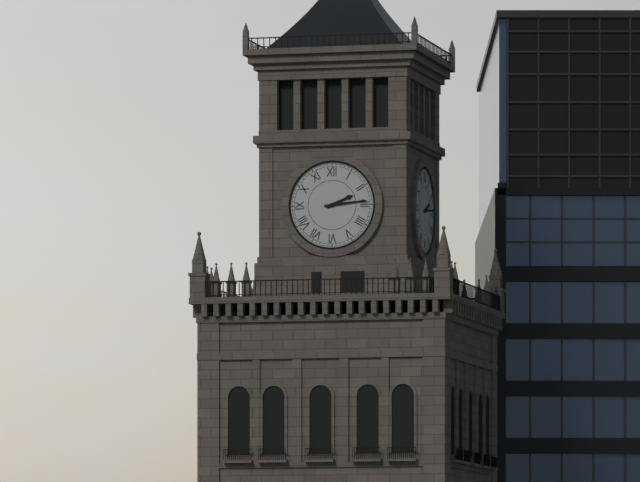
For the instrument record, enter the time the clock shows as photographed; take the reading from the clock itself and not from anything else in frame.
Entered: 2:14
